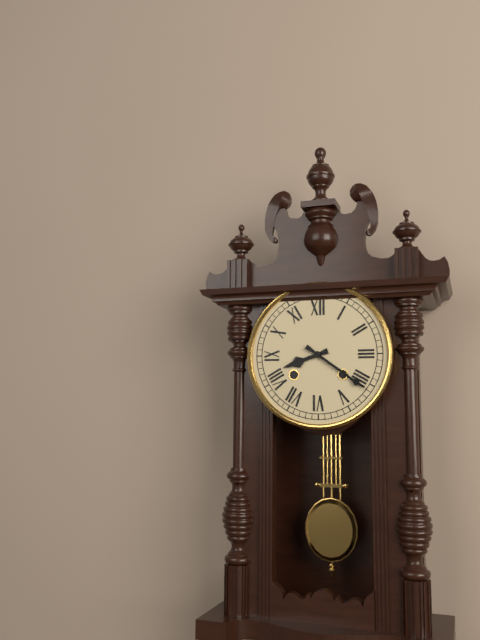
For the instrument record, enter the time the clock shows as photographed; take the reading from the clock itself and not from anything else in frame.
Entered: 8:21
